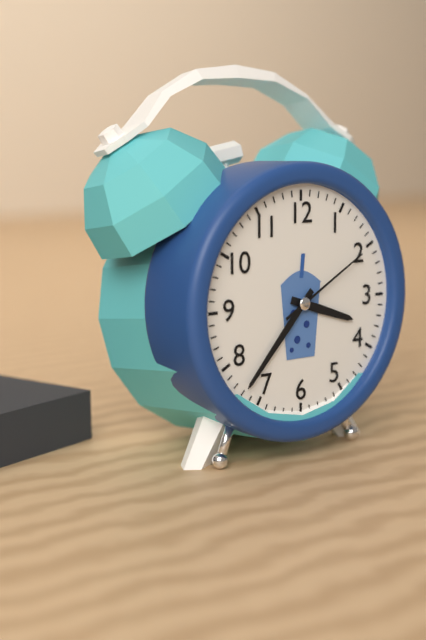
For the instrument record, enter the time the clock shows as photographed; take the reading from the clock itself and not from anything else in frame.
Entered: 3:37:10
